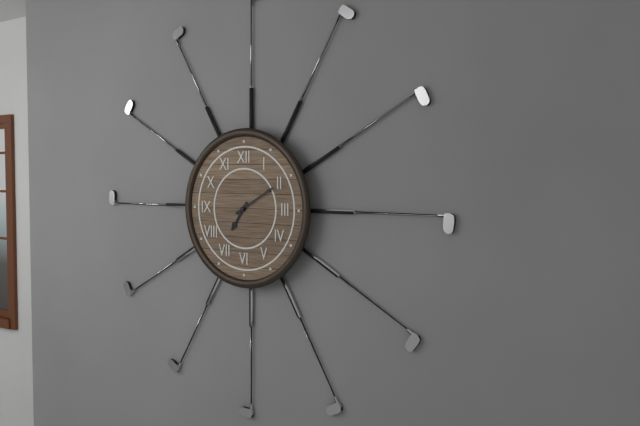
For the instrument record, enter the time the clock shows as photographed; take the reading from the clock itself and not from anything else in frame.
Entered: 7:10
